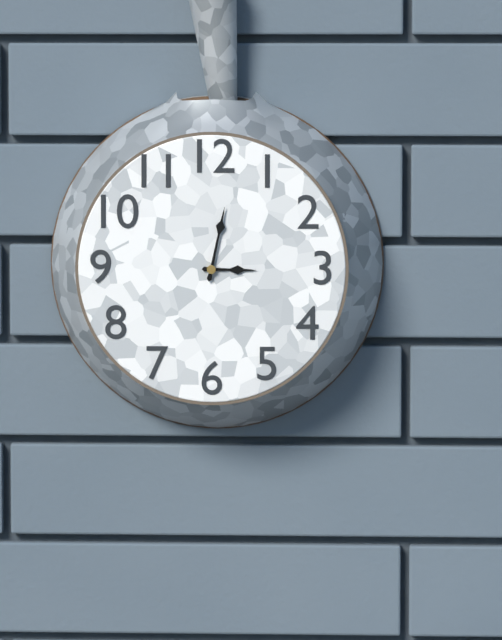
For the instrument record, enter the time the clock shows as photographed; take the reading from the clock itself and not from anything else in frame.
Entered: 3:02
